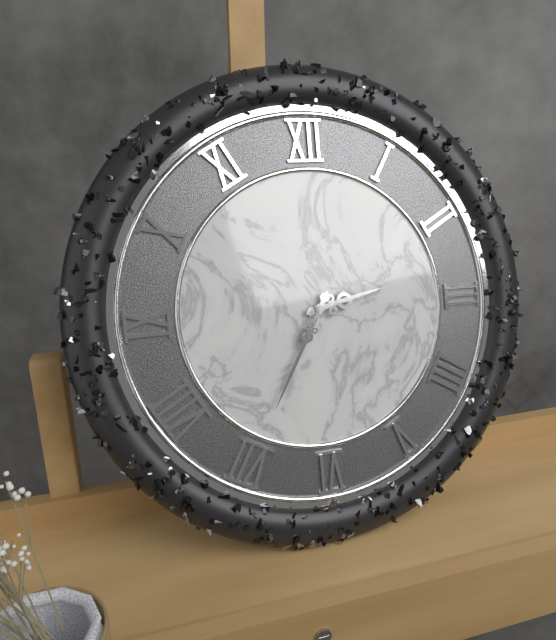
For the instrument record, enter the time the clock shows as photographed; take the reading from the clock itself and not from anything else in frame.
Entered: 2:35
